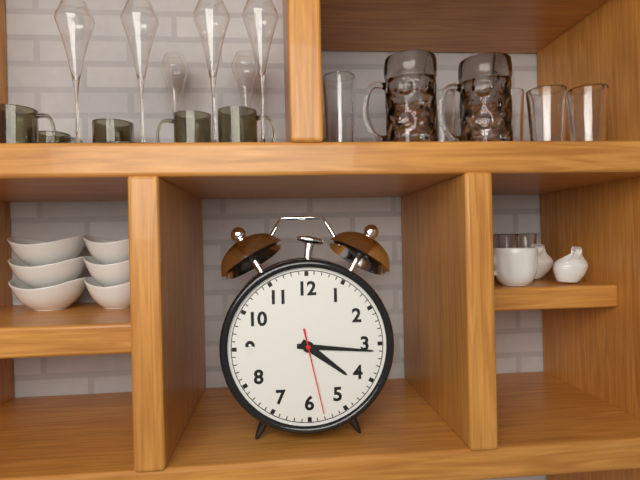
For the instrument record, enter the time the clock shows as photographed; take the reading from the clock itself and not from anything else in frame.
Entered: 4:16:28
